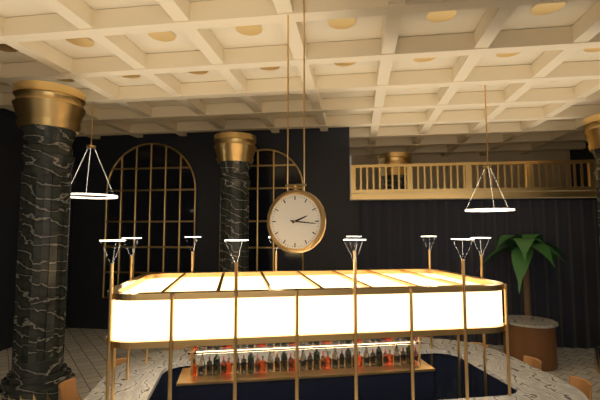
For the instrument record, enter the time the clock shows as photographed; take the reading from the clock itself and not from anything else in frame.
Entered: 2:16
